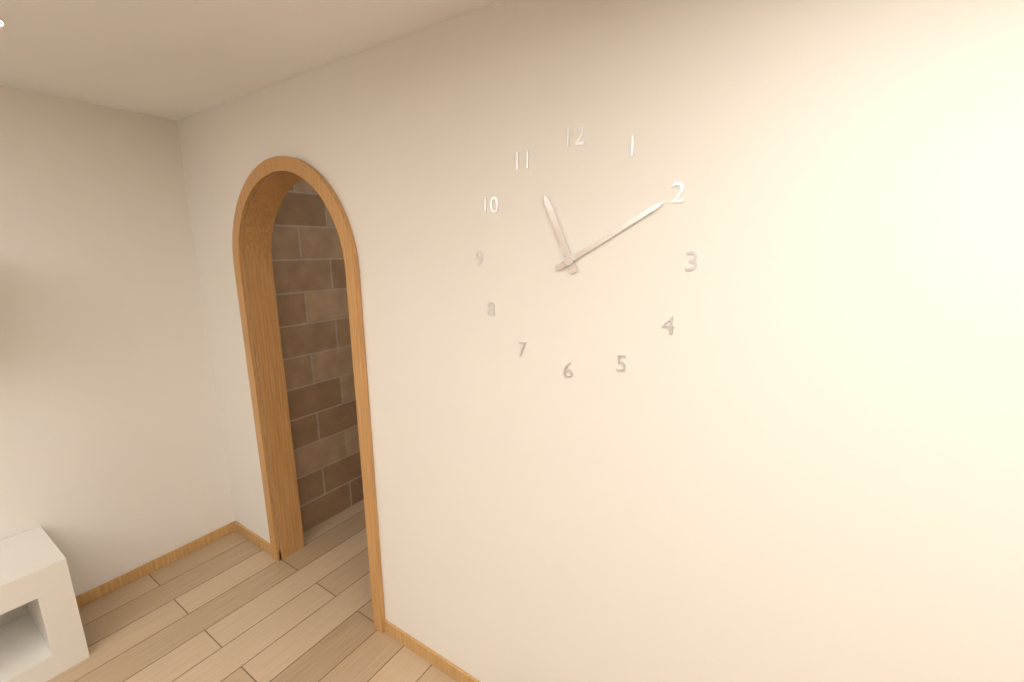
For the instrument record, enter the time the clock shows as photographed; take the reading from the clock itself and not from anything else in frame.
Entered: 11:10
